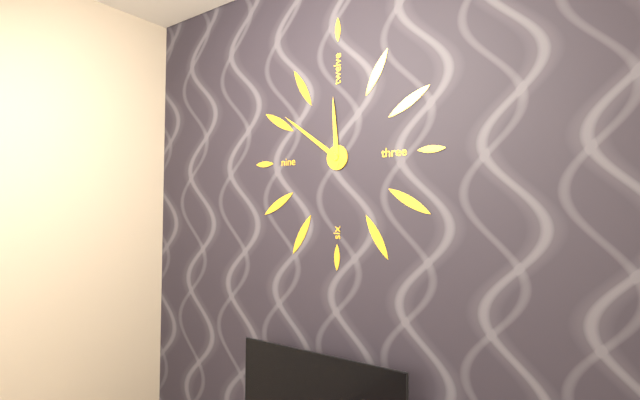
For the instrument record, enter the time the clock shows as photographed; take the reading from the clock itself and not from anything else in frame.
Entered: 11:51
